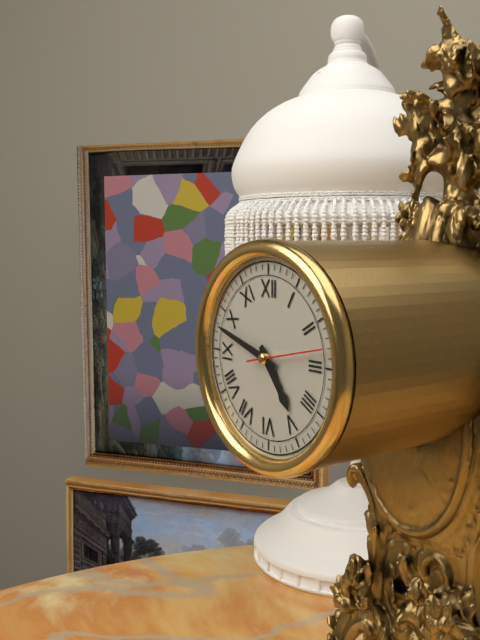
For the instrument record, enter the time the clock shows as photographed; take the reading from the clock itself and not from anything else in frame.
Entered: 4:48:13
